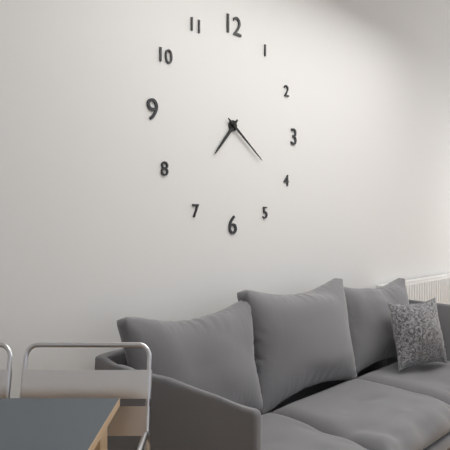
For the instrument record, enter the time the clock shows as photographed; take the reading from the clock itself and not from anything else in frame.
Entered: 7:21
